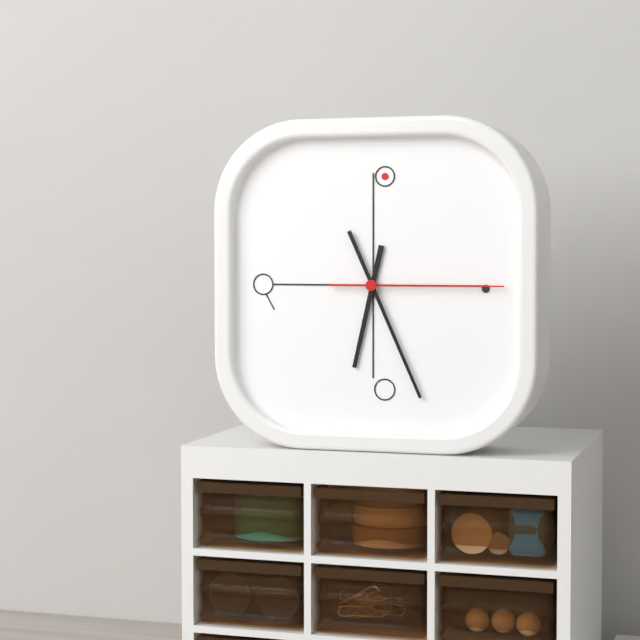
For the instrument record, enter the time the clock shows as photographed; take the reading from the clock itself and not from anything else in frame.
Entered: 6:26:15
